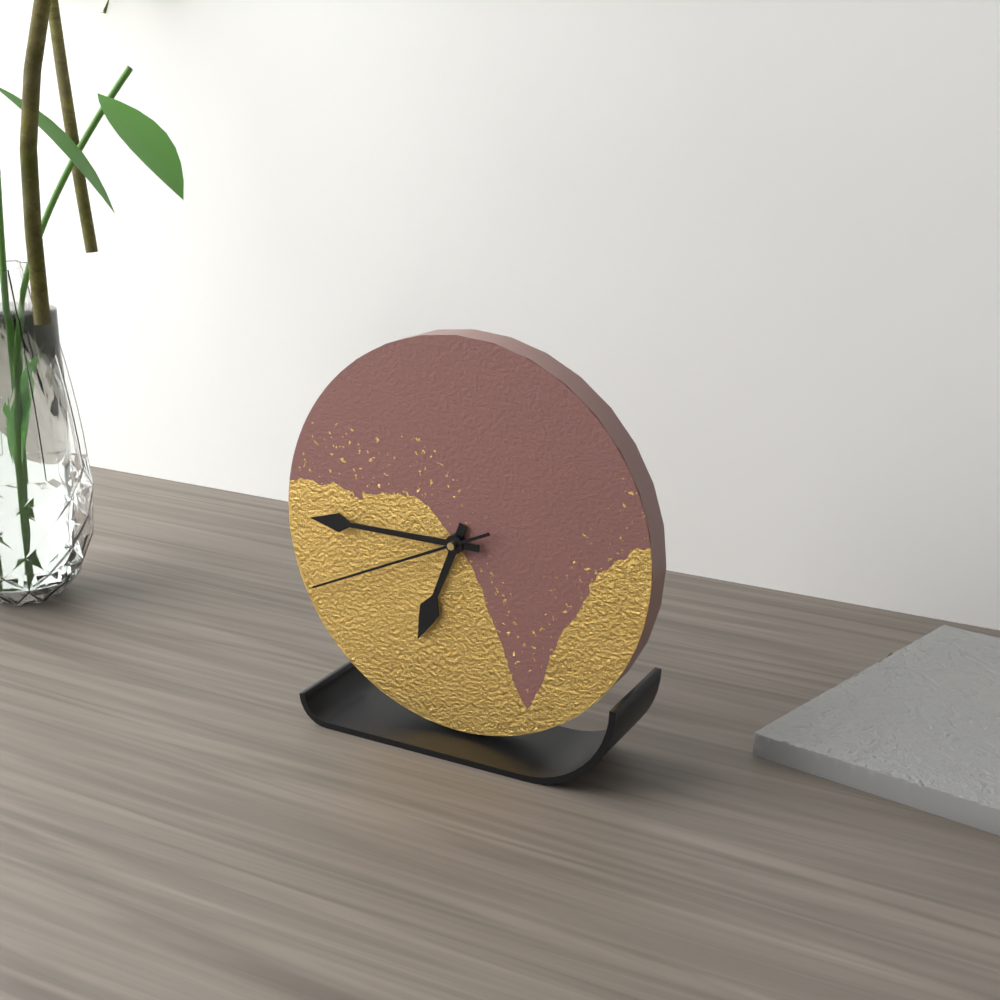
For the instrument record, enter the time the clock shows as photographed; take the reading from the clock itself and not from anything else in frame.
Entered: 6:45:41
